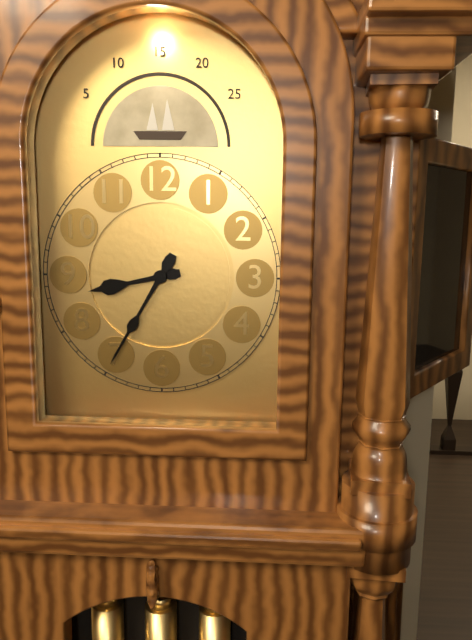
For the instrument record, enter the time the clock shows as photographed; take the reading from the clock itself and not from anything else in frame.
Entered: 8:35
